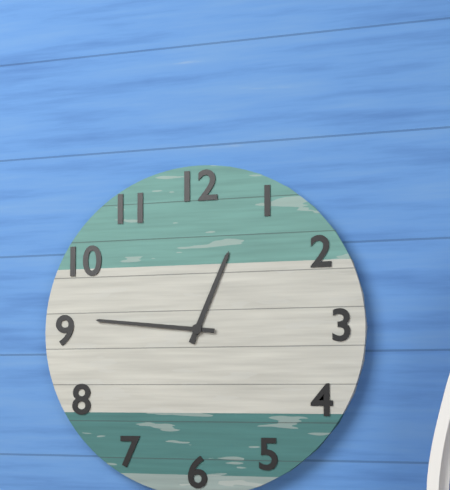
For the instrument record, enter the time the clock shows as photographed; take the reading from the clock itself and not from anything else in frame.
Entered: 12:46
